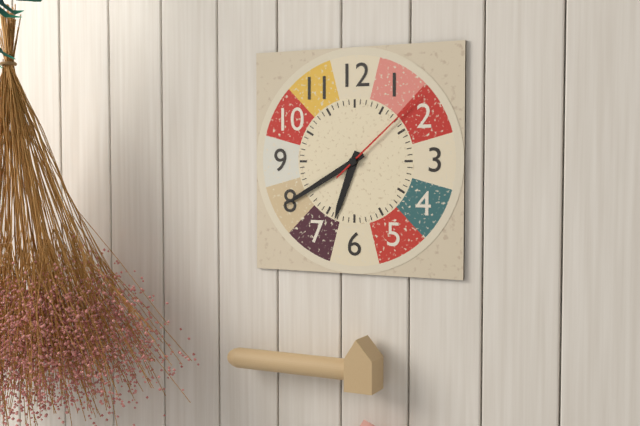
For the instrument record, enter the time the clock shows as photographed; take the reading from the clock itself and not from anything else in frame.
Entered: 6:40:08
